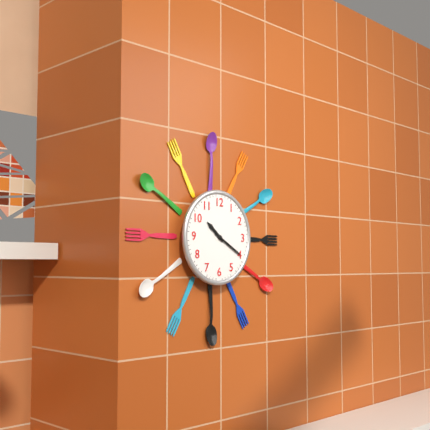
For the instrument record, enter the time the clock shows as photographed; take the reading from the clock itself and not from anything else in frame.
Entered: 10:20
